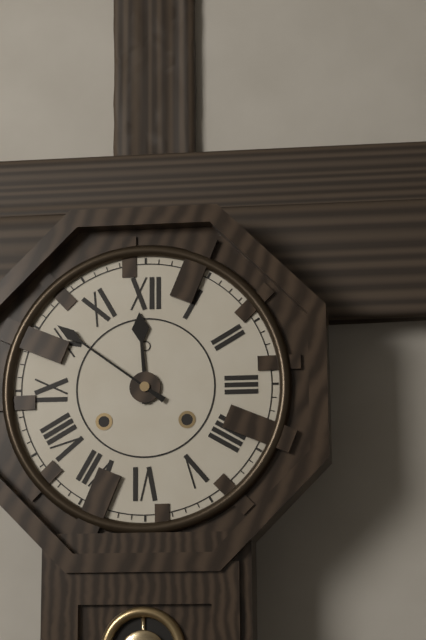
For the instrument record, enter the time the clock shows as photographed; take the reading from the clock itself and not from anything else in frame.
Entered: 11:51
